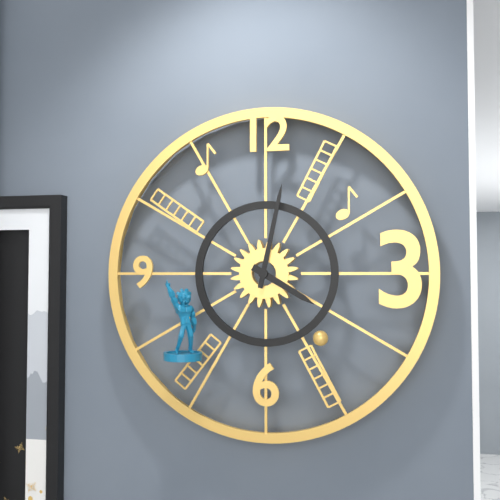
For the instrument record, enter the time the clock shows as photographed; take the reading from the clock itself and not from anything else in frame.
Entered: 4:02
